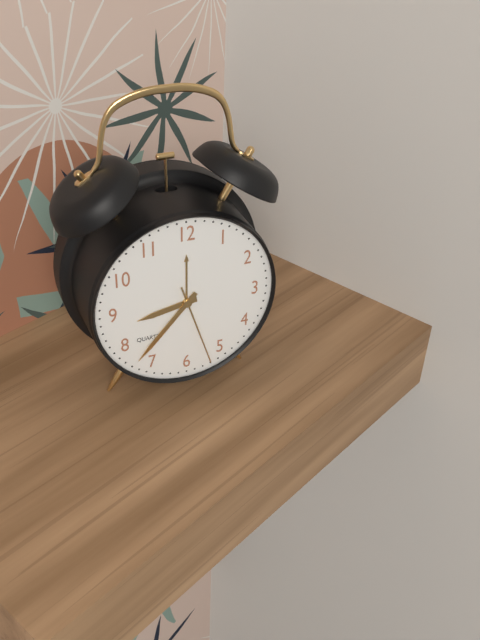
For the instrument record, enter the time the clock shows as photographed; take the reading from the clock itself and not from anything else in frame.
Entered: 8:37:27
